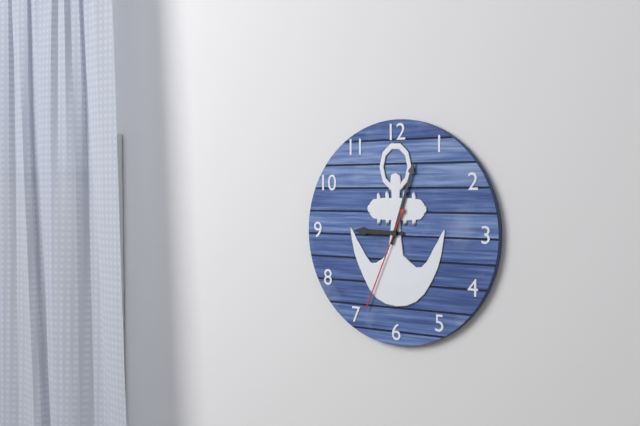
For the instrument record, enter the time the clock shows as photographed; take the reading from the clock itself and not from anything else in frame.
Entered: 9:03:34
